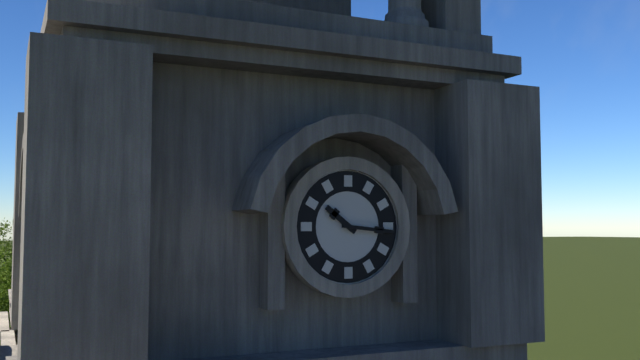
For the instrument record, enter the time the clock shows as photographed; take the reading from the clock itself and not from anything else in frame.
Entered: 10:16
